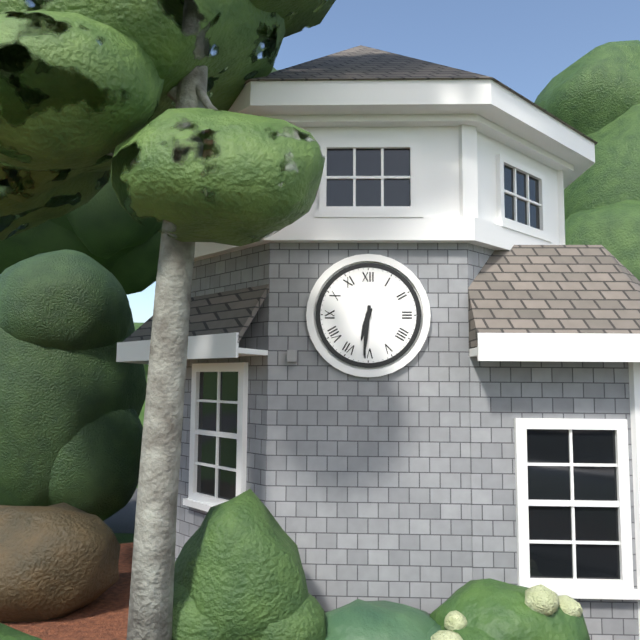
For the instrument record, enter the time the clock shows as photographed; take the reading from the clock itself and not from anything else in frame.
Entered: 6:31
